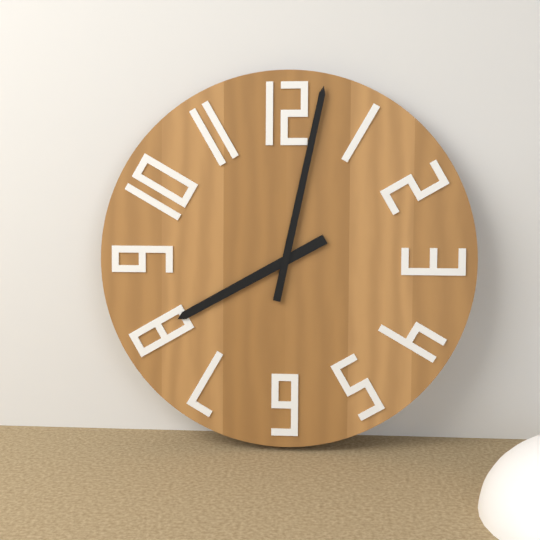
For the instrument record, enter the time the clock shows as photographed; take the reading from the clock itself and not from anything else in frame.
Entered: 8:02
